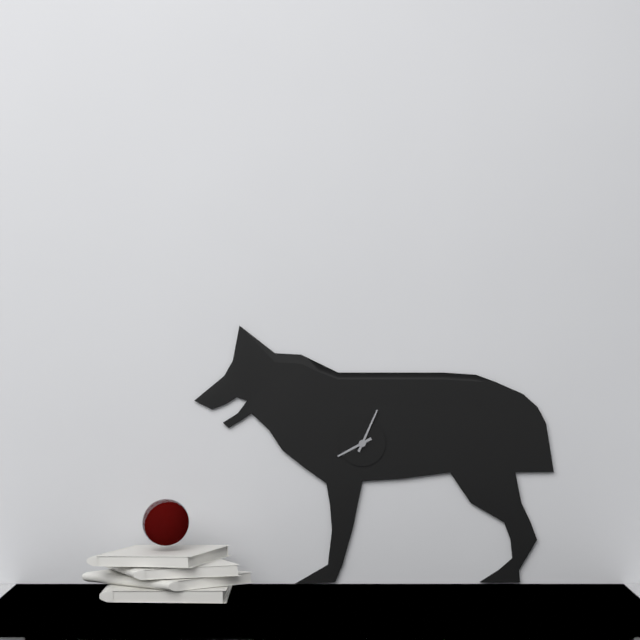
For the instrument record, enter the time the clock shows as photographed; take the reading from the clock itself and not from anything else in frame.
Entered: 8:04
